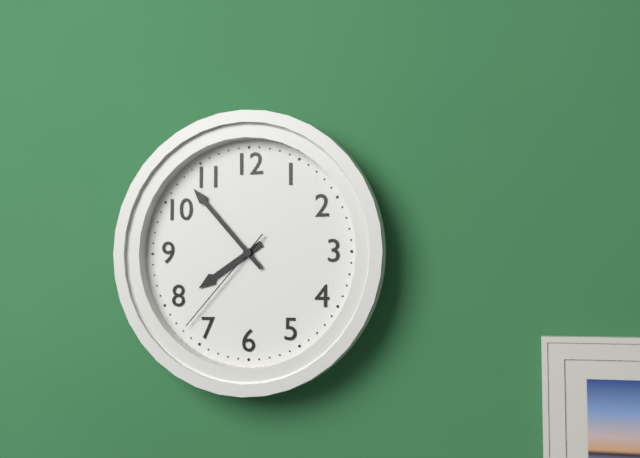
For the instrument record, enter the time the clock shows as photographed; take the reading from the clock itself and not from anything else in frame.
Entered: 7:53:37
